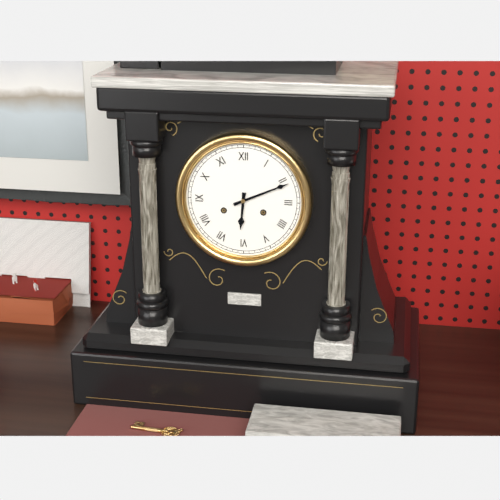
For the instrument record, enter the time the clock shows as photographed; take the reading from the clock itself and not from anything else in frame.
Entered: 6:11
